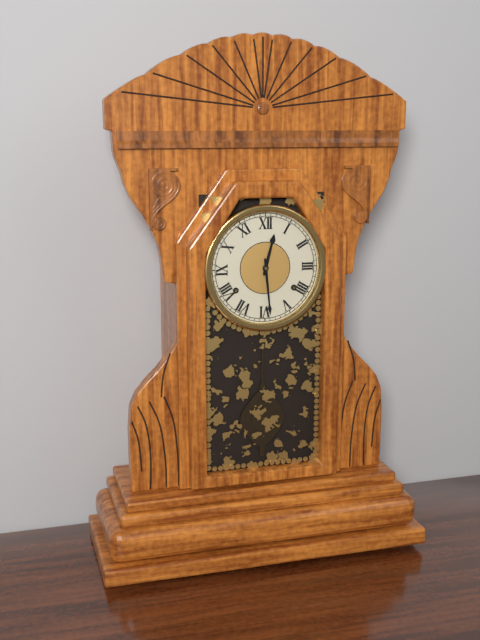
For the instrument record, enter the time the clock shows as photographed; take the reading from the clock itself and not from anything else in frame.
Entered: 12:29
